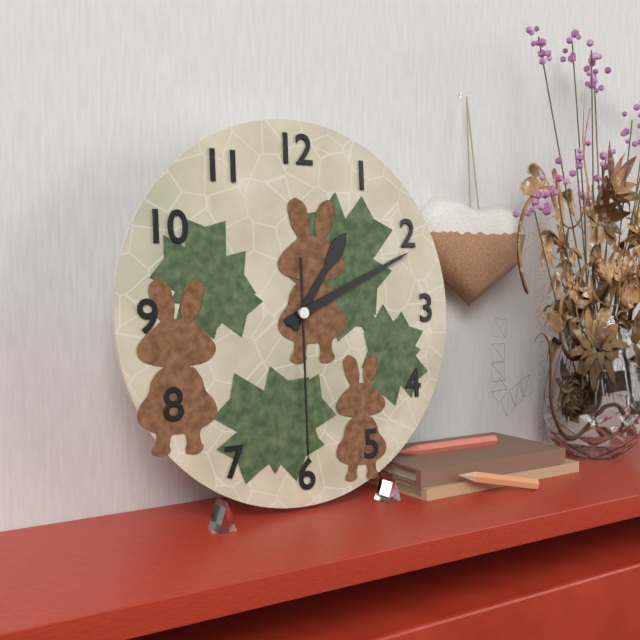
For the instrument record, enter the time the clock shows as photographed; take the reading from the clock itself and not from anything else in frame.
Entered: 1:11:30
